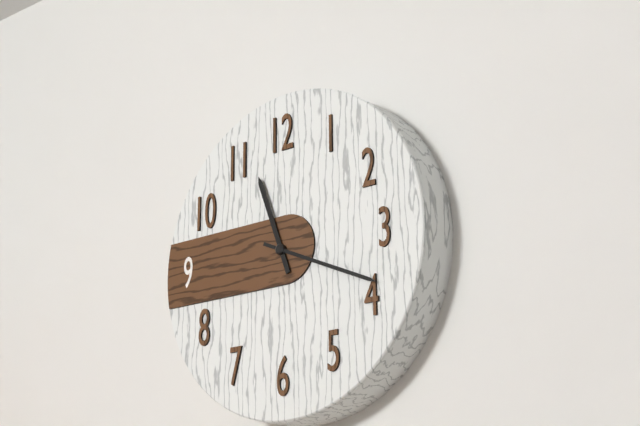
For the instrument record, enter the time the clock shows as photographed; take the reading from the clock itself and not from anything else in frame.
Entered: 11:19
